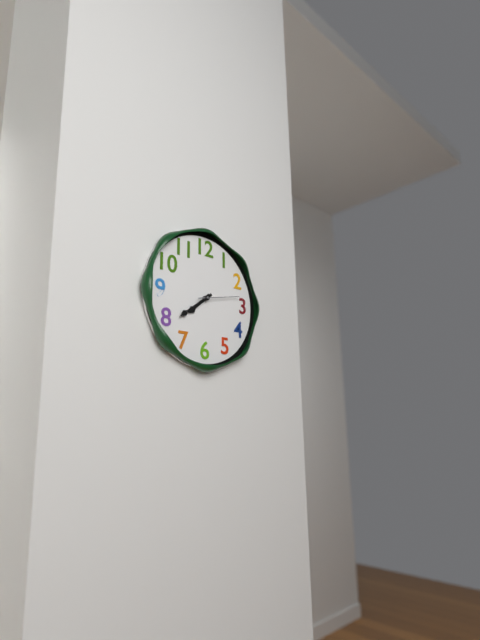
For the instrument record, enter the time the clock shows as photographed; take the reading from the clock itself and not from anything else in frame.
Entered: 7:39
